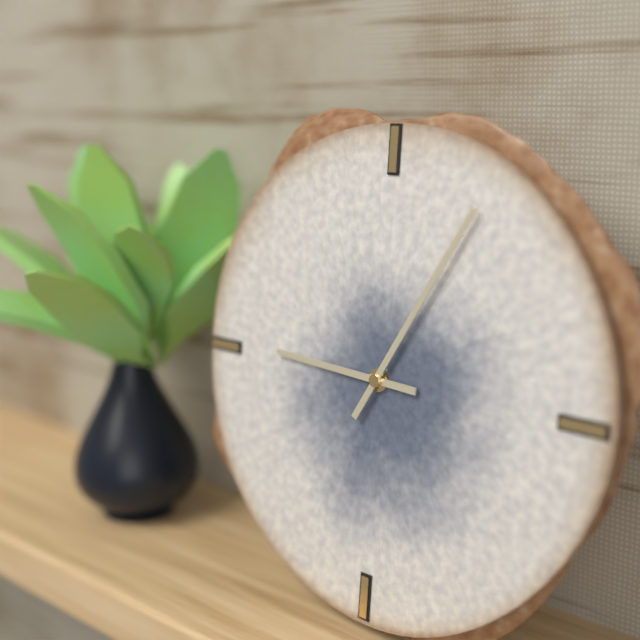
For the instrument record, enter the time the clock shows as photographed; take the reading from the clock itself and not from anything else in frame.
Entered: 9:05
